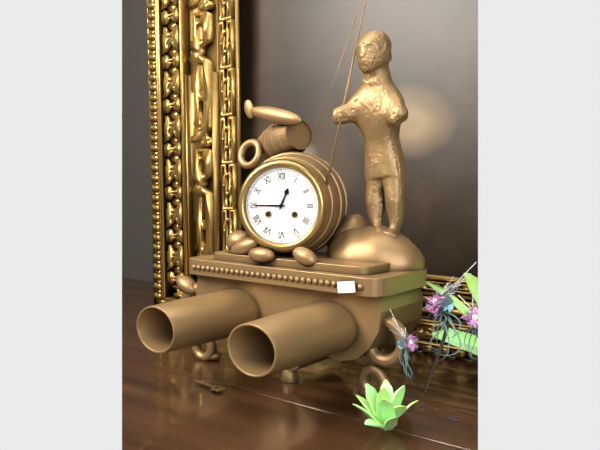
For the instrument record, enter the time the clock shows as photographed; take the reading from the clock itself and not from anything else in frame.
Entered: 12:45
